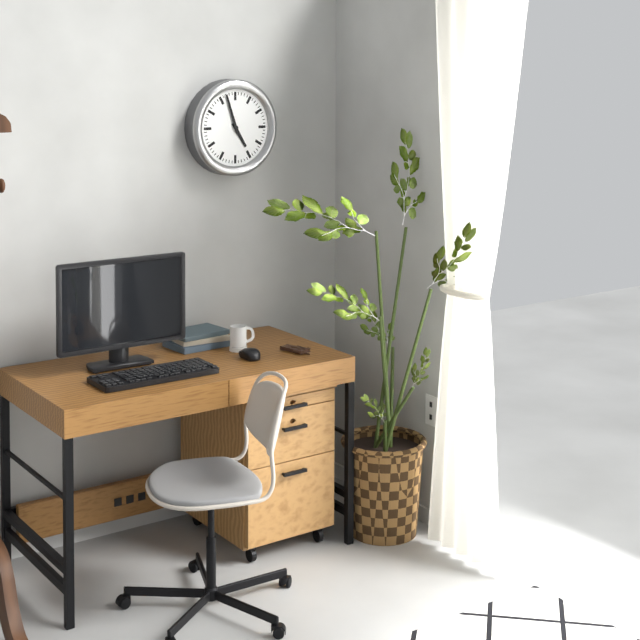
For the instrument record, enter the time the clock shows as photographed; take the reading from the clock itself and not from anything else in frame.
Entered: 4:57
